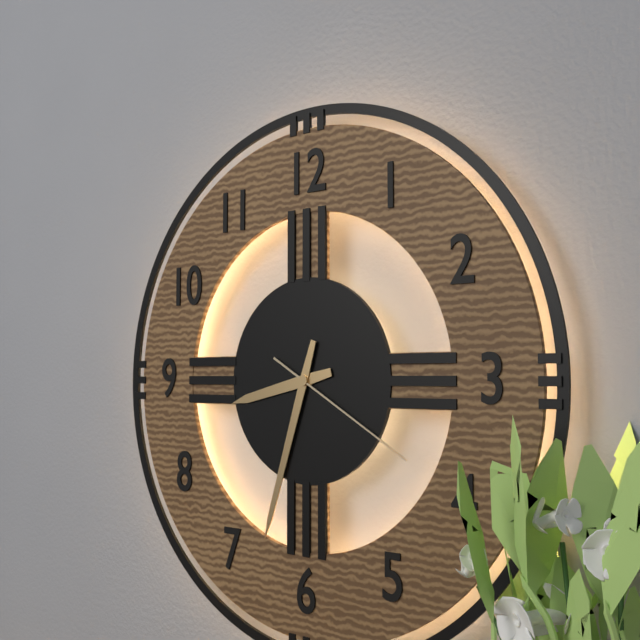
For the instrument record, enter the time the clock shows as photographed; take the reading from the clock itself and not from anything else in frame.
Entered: 8:33:20
